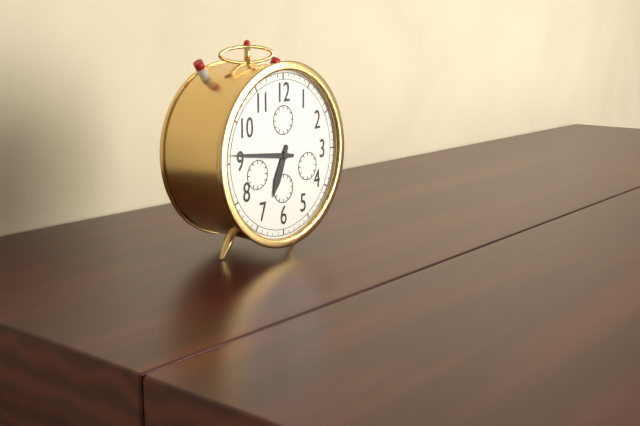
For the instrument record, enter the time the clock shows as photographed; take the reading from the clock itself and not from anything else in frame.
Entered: 6:46
